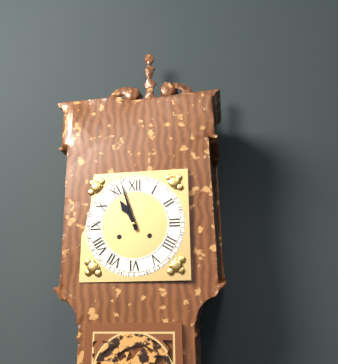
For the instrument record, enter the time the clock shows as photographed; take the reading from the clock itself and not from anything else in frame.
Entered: 10:57
